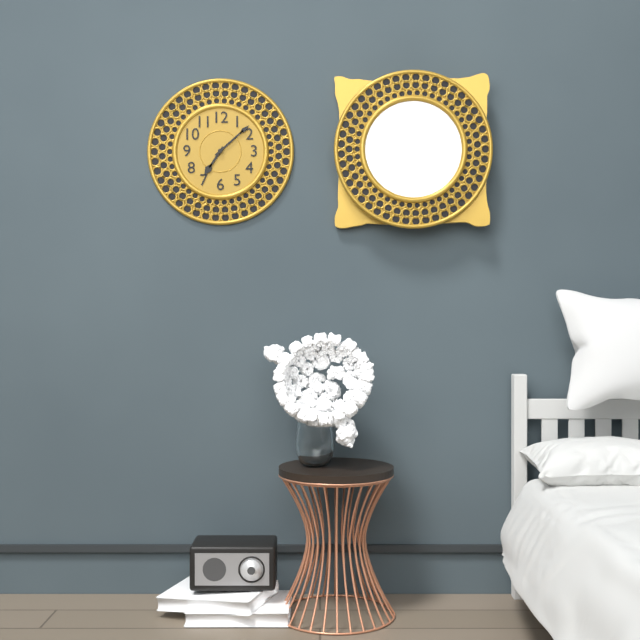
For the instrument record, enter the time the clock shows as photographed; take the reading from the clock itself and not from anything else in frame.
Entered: 7:08
